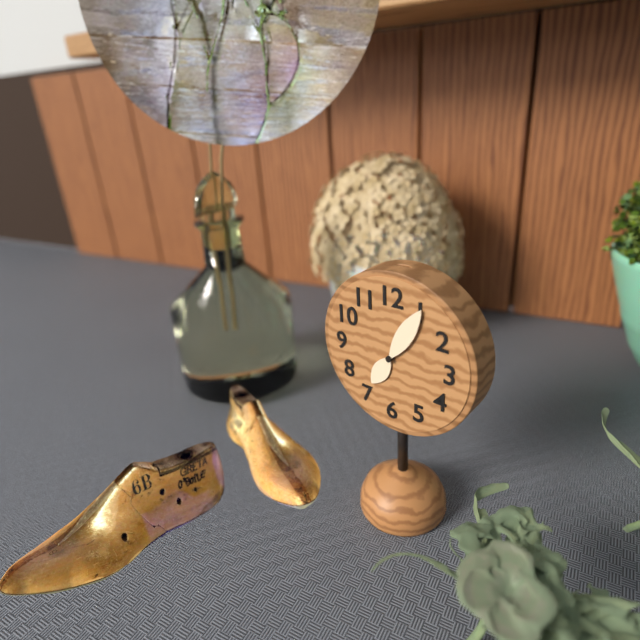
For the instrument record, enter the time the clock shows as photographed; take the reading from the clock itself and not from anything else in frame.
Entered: 7:05
